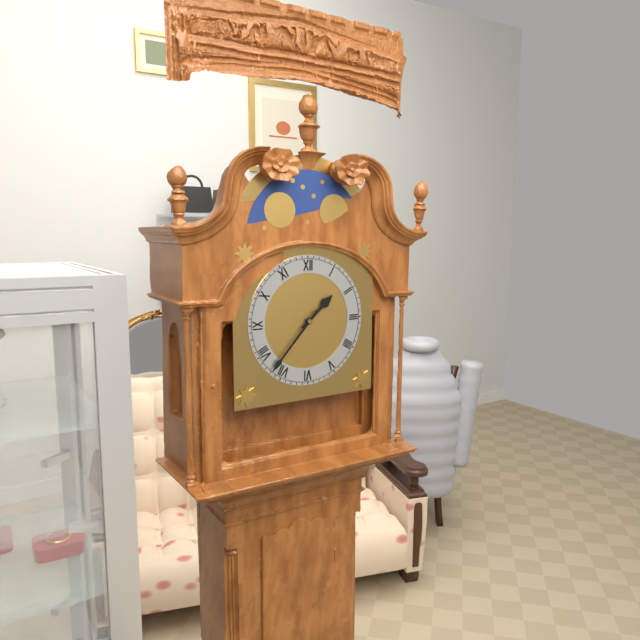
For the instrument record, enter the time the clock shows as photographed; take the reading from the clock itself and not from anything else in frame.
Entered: 1:37
